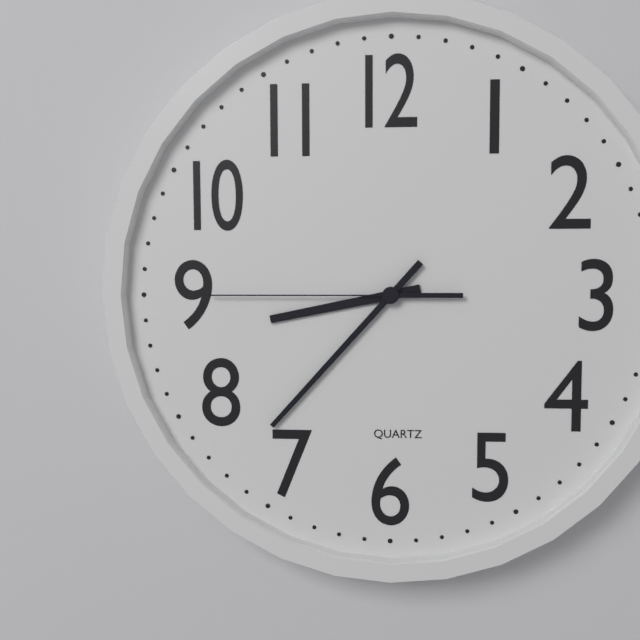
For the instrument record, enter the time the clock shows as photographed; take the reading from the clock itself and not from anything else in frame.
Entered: 8:37:45
